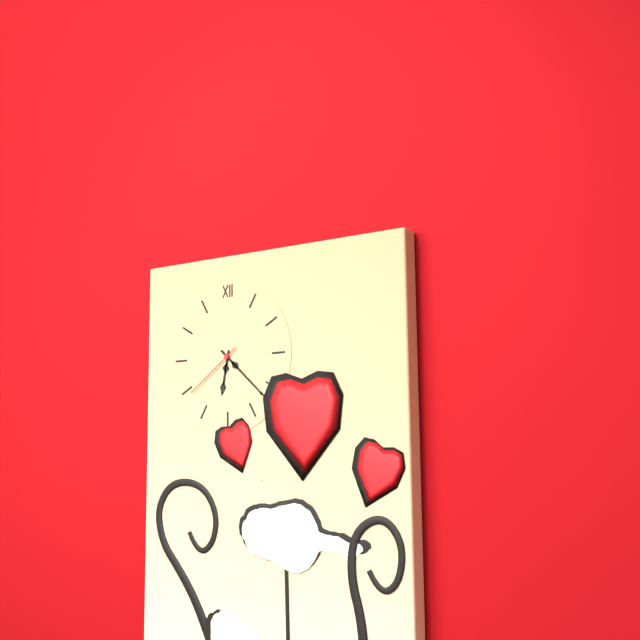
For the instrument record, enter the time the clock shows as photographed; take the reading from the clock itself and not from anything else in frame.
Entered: 6:22:39
